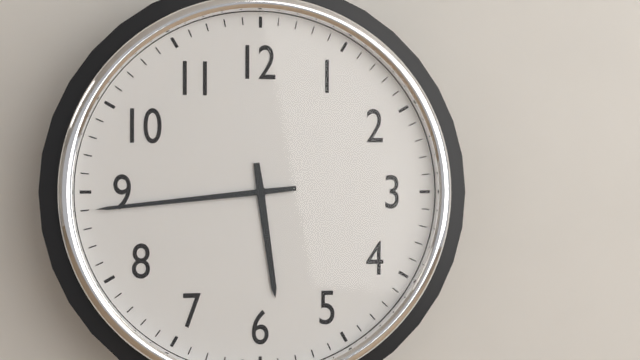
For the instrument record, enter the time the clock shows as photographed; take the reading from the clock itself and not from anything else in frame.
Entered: 5:44
